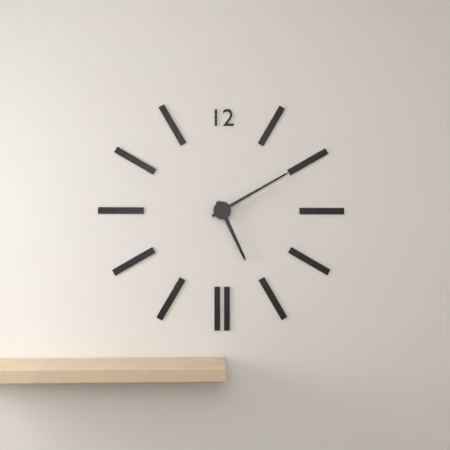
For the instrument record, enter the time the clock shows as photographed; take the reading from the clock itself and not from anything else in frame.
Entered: 5:10
